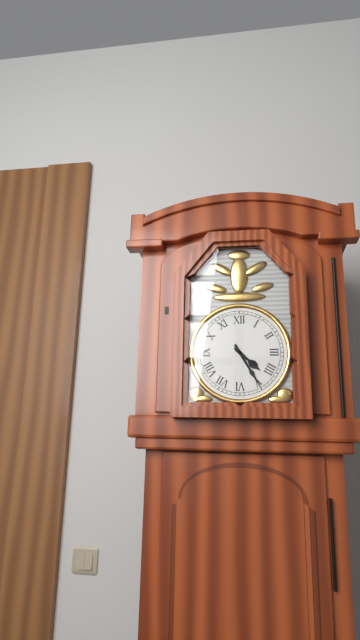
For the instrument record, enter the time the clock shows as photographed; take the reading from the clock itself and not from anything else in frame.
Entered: 4:25
